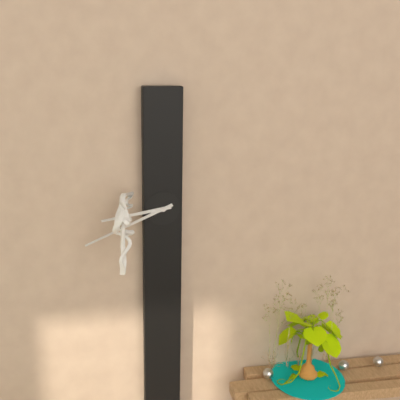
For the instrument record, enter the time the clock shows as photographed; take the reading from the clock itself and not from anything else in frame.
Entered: 8:41
